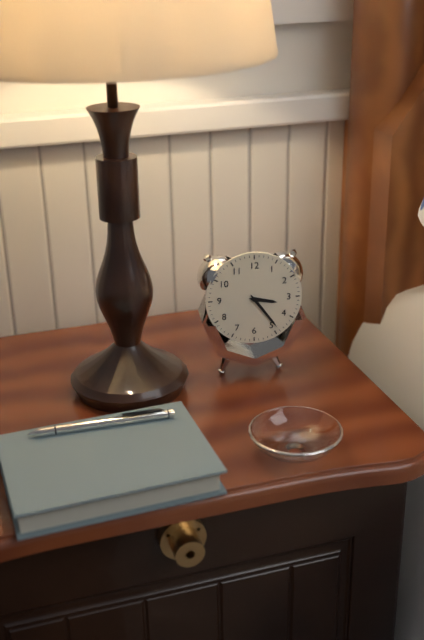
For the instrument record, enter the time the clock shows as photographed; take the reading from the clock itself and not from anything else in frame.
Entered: 3:24
